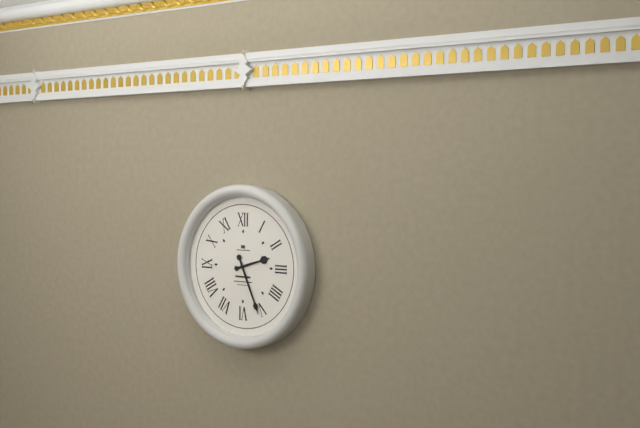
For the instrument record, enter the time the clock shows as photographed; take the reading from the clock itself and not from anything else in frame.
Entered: 2:26
